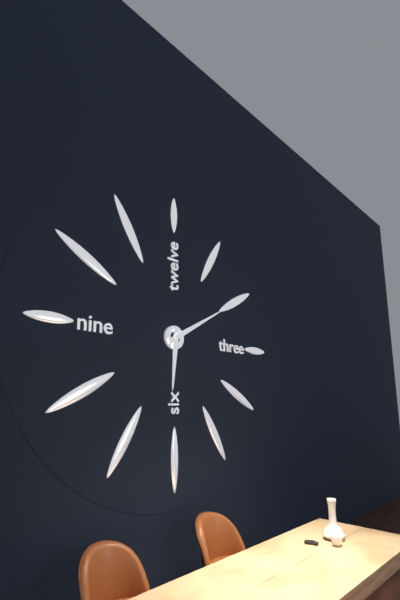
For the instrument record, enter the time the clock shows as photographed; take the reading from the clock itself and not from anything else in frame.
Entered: 6:10
